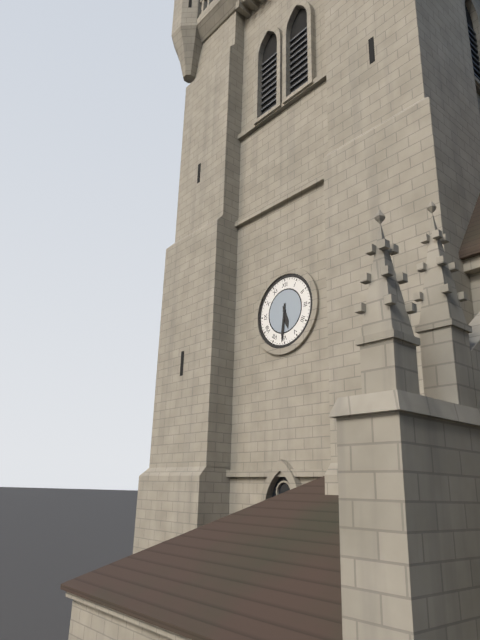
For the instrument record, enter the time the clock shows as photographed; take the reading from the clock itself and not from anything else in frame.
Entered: 5:31
